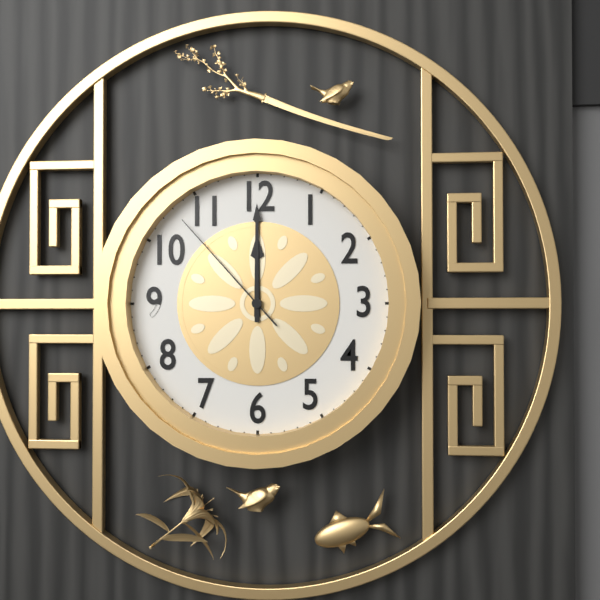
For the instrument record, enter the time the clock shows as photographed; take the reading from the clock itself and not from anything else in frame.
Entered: 12:00:53
